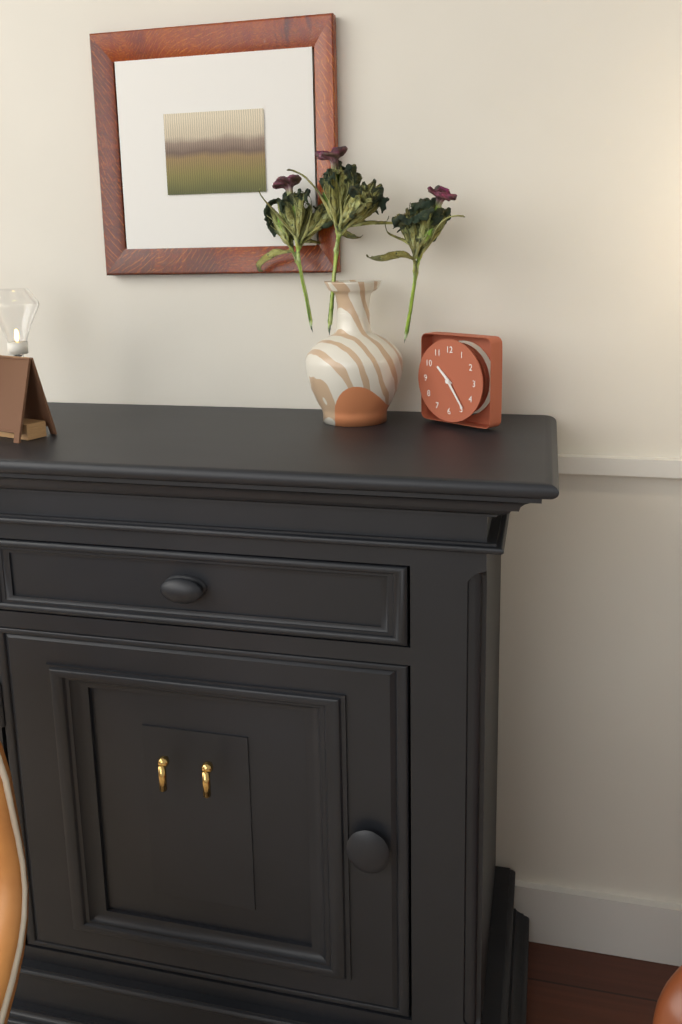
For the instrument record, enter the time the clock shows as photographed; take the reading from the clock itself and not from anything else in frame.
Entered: 10:24
